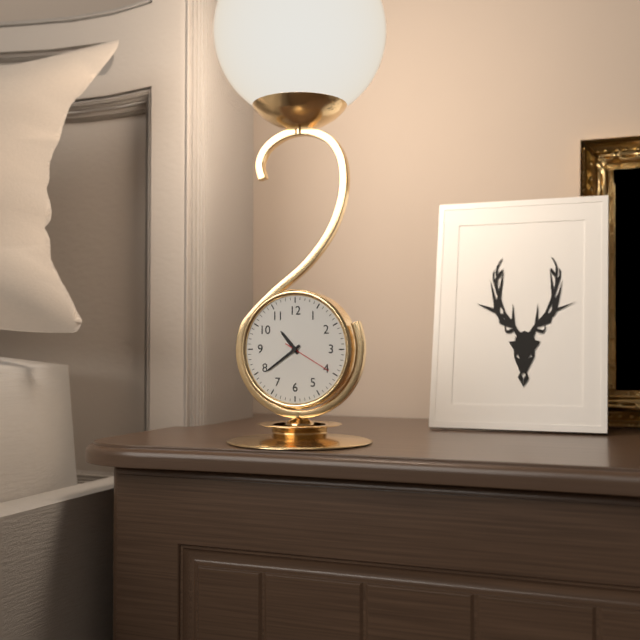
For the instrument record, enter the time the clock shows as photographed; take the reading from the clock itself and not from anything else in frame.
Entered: 10:39:20
